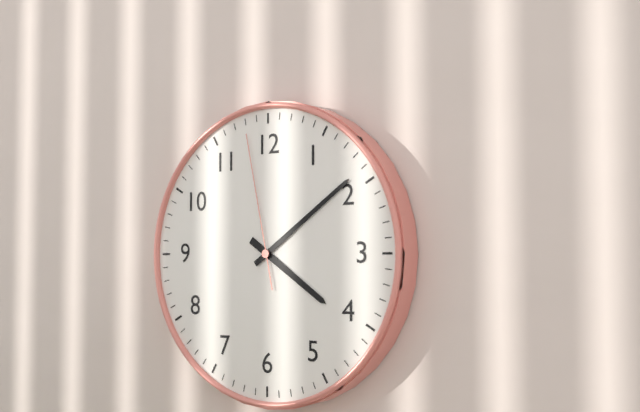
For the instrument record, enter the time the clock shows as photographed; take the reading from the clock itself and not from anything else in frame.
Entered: 4:09:58
